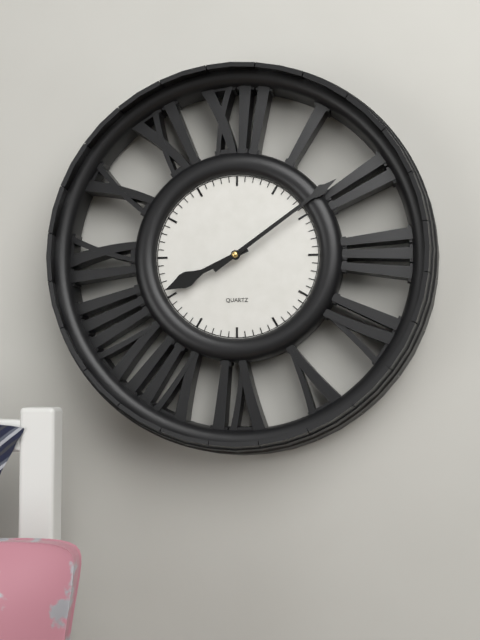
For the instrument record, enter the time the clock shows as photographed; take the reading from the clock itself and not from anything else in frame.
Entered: 8:09
